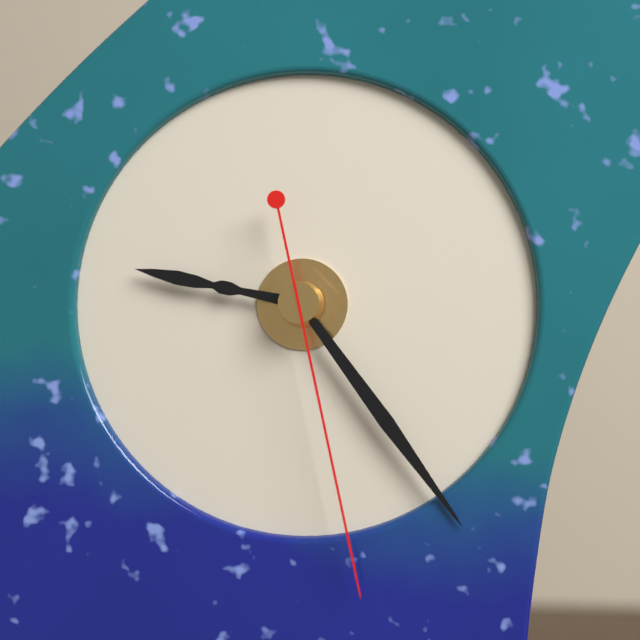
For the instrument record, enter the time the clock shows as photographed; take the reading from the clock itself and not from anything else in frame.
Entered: 9:24:28
